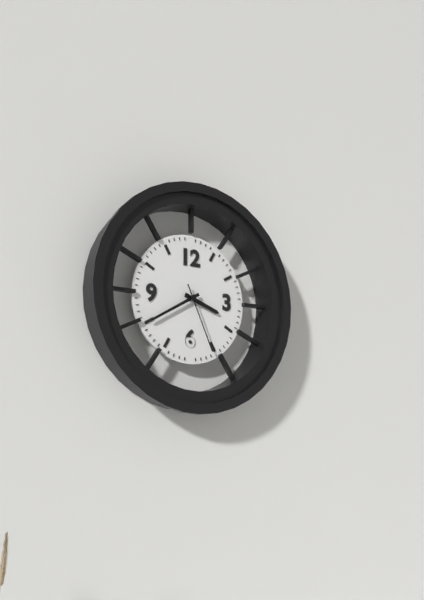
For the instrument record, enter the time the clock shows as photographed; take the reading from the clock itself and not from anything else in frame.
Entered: 3:40:26
